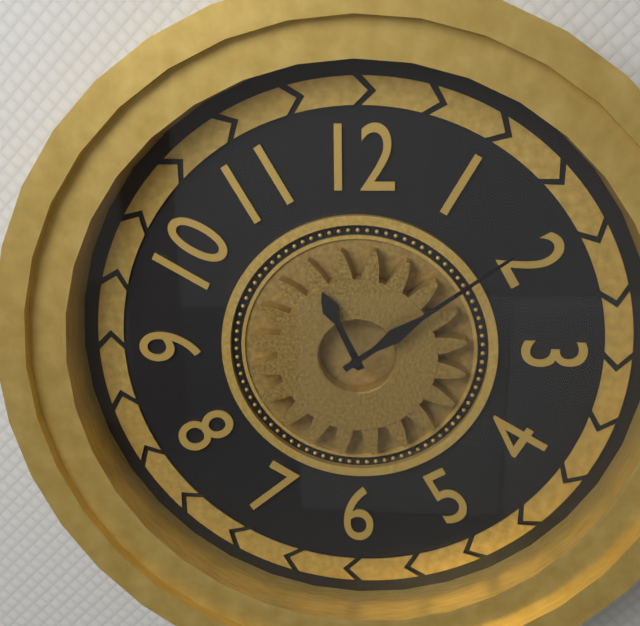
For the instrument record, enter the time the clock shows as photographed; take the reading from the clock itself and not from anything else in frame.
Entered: 11:09
